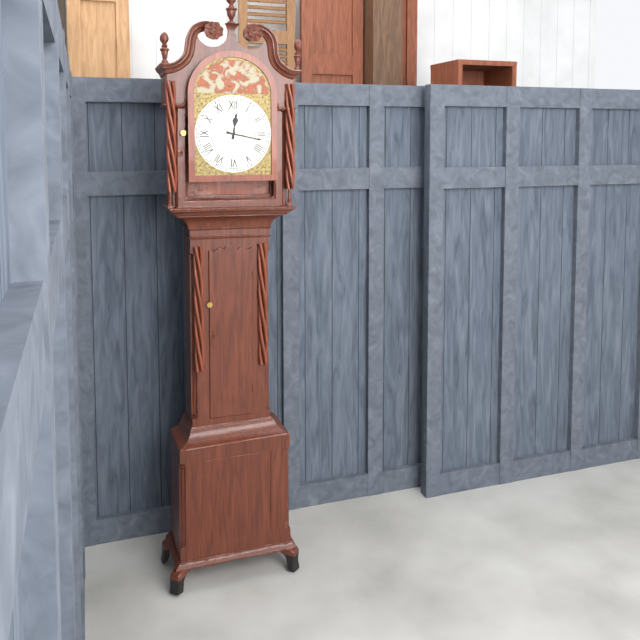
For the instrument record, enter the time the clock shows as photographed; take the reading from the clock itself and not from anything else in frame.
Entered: 12:17
